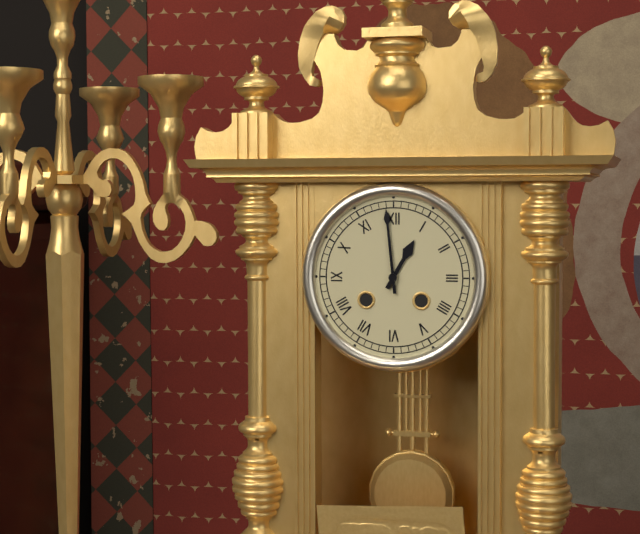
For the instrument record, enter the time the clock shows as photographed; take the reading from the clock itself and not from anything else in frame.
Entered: 12:59
